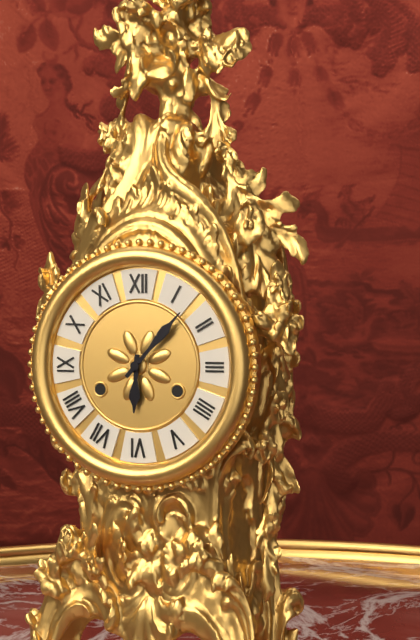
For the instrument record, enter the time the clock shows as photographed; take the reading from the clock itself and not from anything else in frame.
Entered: 6:07
